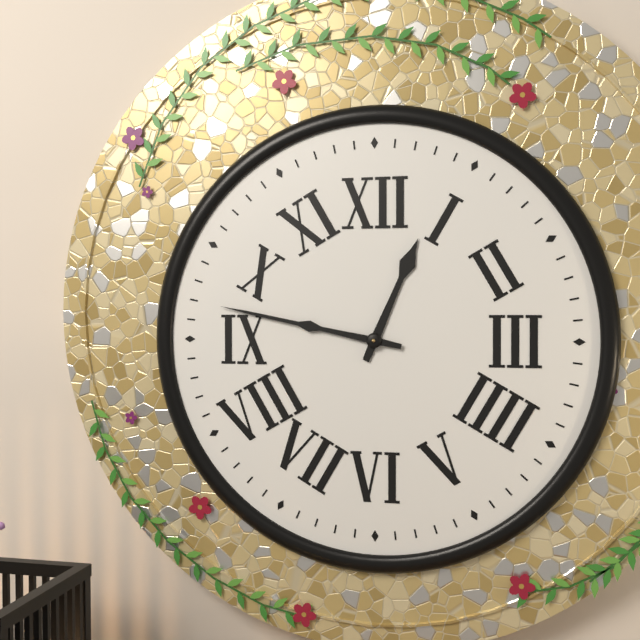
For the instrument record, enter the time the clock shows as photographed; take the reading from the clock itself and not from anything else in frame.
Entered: 12:47
